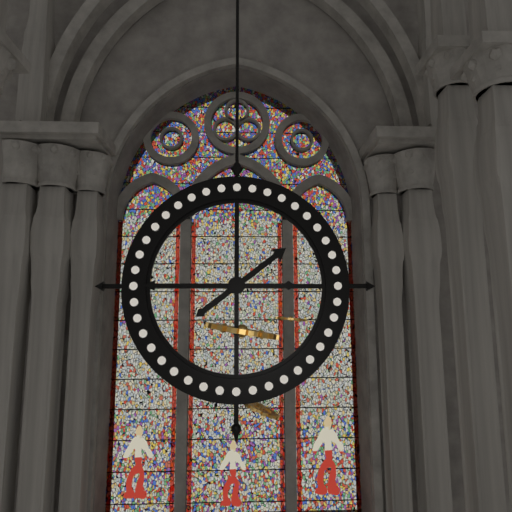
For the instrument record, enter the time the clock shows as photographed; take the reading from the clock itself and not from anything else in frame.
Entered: 1:45
